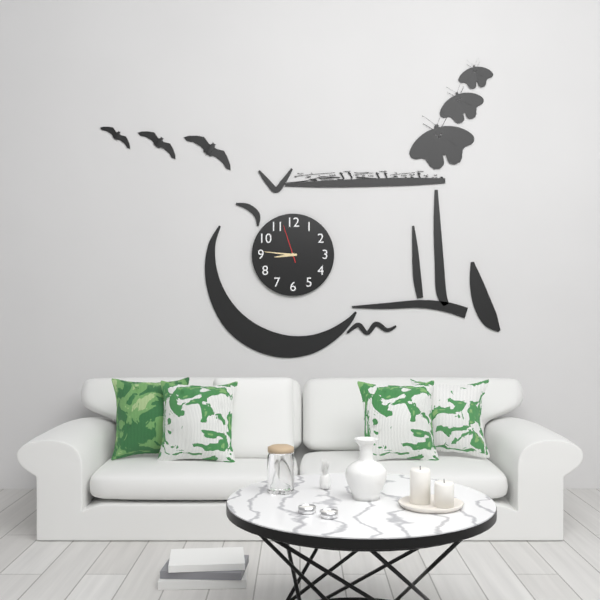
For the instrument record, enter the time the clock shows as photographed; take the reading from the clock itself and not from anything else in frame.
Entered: 8:46
